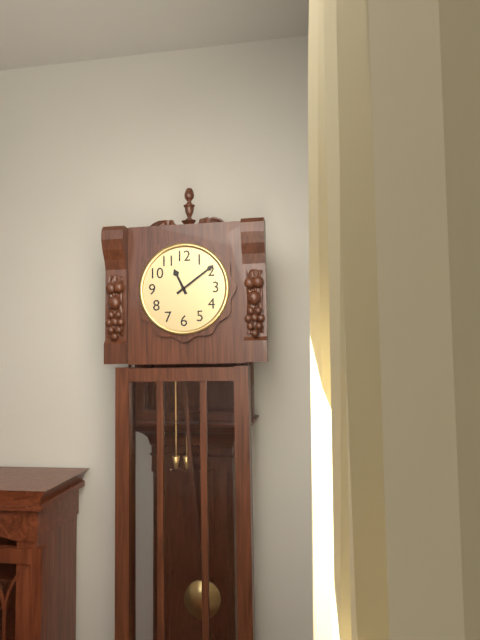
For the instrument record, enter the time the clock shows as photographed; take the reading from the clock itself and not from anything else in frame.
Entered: 11:09
